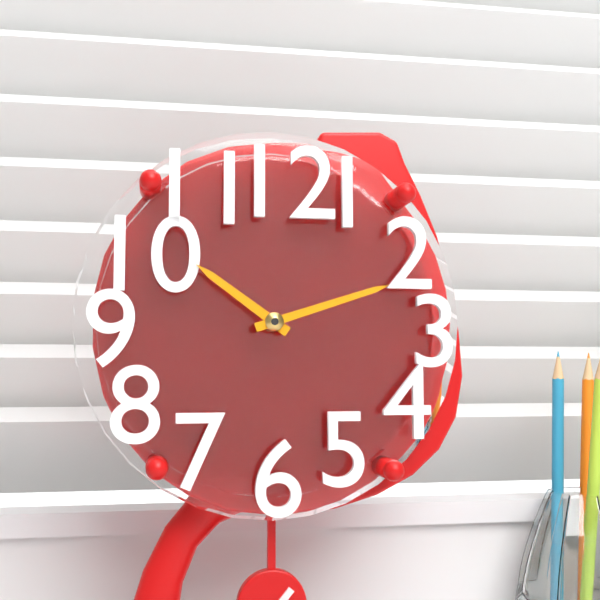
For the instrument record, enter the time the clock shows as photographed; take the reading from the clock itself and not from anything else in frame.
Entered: 10:12
